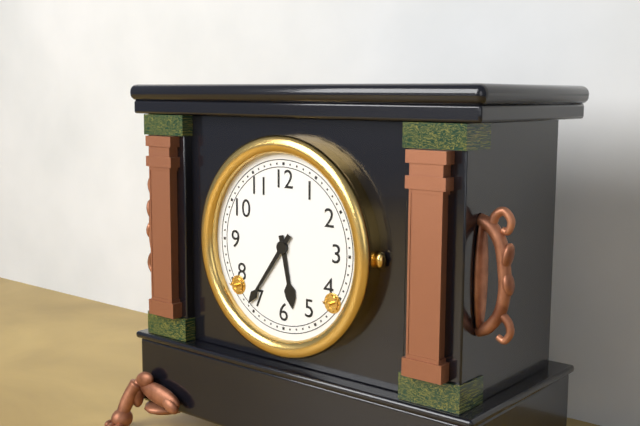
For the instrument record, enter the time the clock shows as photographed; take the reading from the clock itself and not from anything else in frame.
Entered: 5:36
